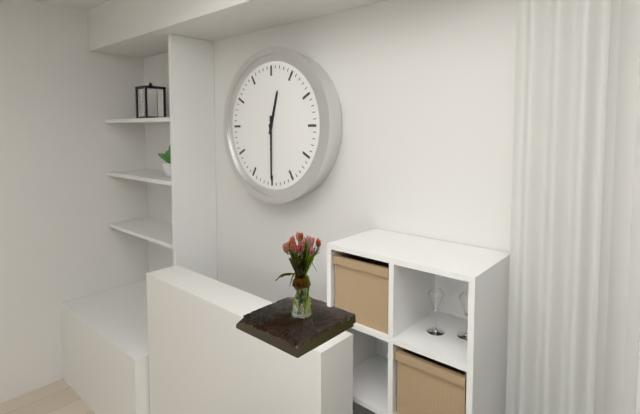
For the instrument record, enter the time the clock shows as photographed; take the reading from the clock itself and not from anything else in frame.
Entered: 12:30
